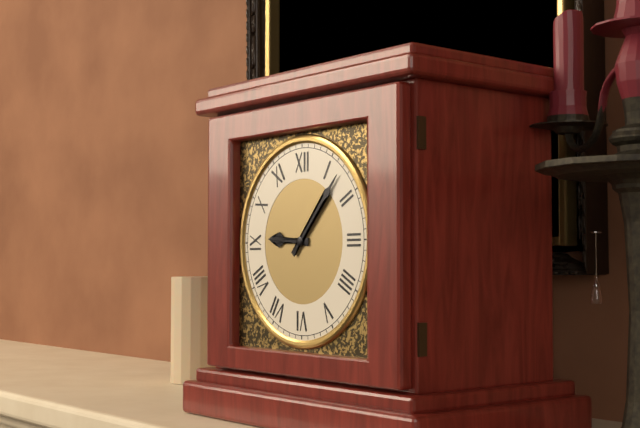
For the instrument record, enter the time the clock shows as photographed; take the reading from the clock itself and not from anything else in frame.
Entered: 9:07
